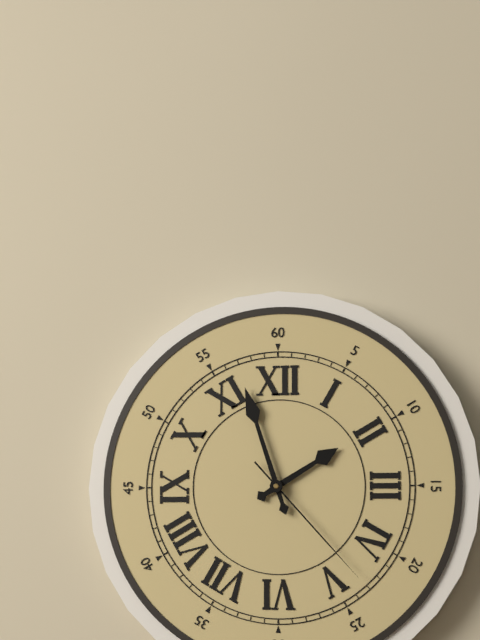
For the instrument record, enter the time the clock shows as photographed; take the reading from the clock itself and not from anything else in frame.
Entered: 1:57:23
